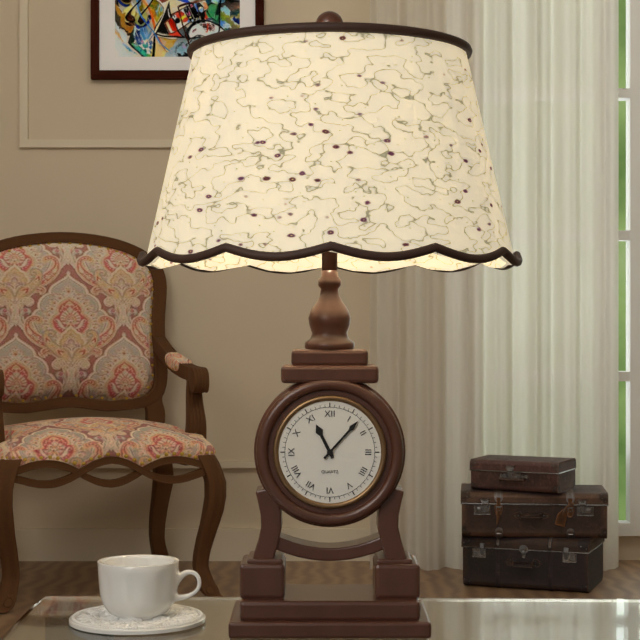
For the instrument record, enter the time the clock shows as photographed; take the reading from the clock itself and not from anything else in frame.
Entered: 11:07
